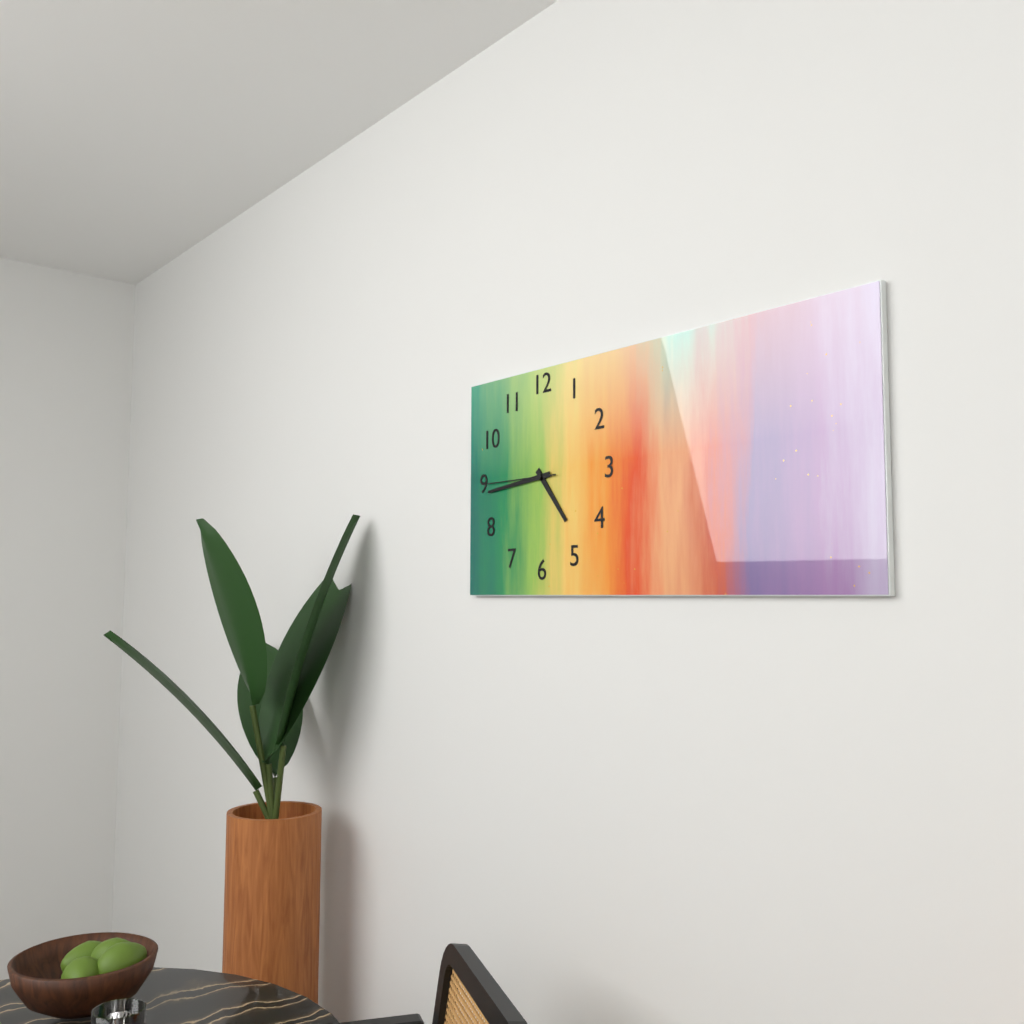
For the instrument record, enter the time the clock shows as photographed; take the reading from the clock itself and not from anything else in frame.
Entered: 4:44:45
